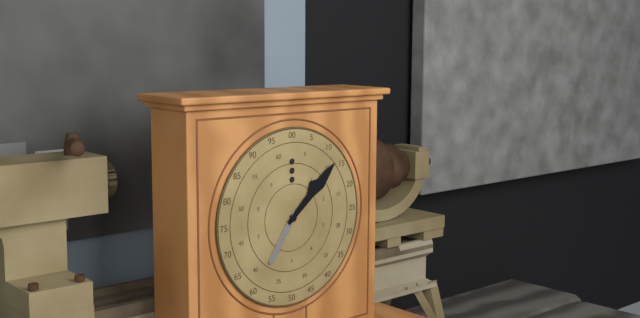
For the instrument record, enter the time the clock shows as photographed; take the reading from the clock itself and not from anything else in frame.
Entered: 7:08
